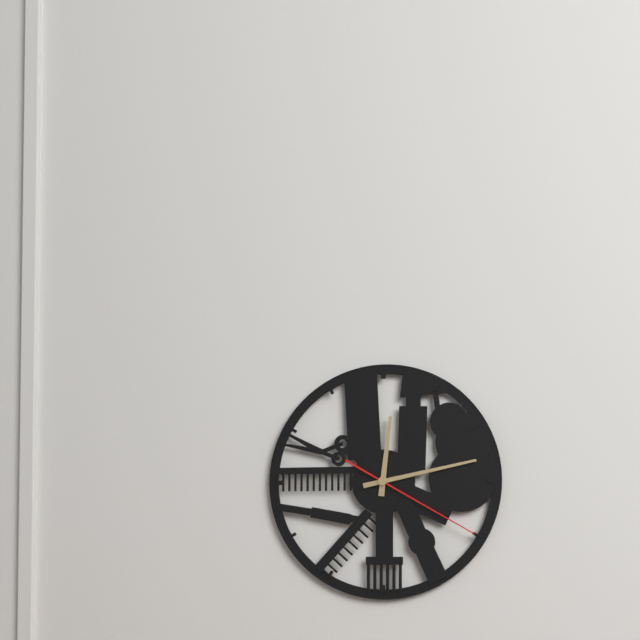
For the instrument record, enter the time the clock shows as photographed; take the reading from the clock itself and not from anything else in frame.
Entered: 12:13:20
